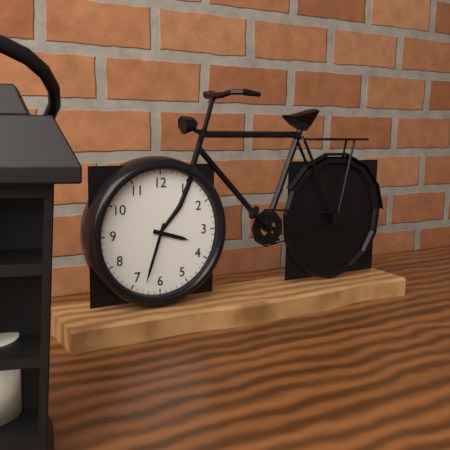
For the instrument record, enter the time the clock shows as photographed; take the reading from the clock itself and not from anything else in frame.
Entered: 3:33
